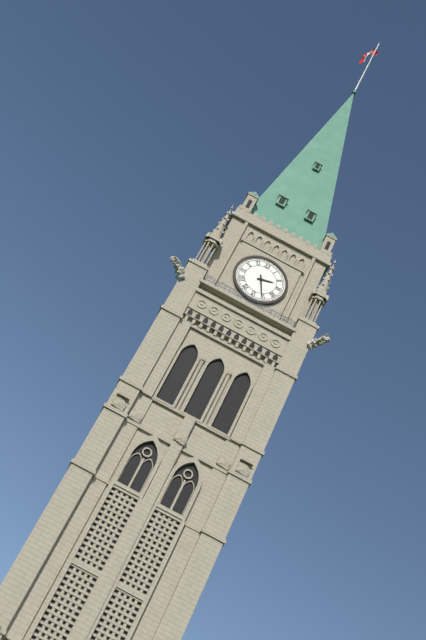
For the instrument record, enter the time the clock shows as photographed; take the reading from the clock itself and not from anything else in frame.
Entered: 2:26
